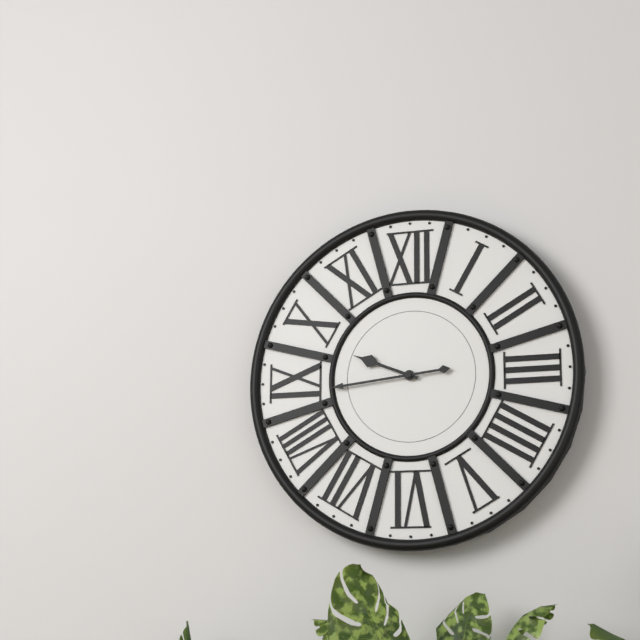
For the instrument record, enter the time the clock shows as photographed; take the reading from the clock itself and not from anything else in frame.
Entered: 9:44
